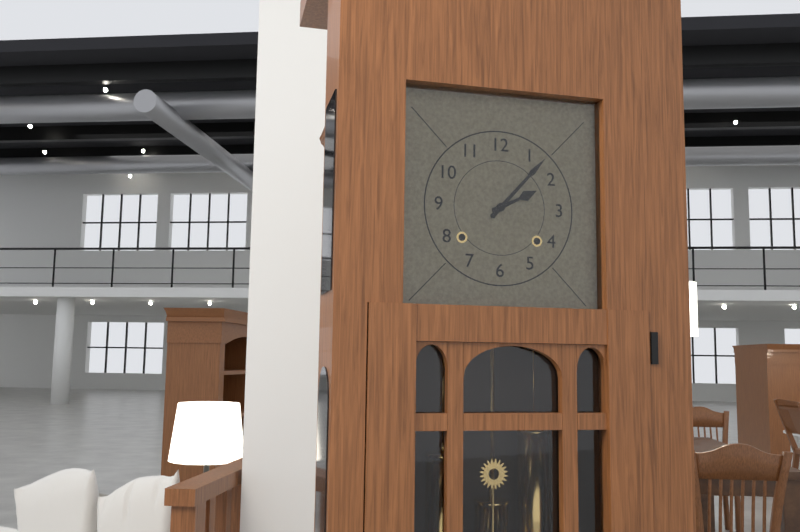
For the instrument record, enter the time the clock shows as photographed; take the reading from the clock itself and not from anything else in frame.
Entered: 2:07
